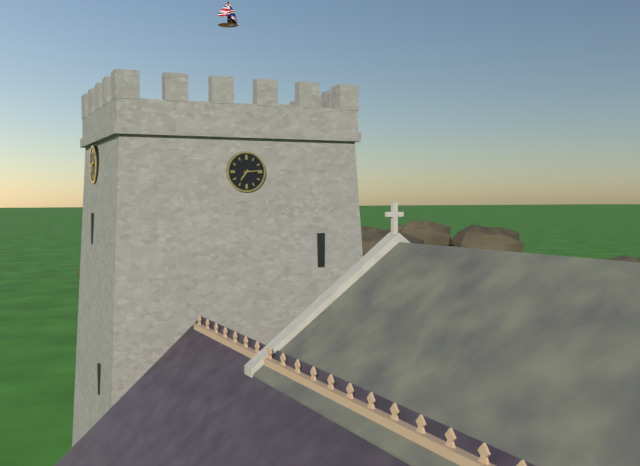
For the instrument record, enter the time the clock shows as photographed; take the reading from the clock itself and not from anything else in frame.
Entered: 7:14
